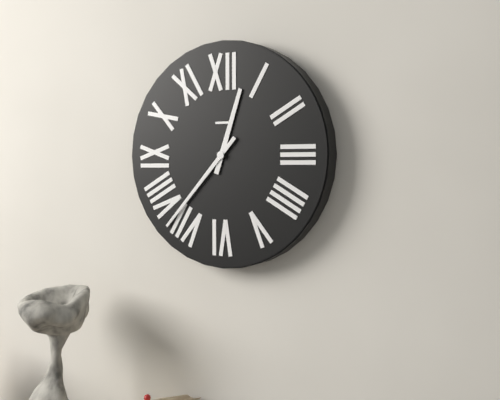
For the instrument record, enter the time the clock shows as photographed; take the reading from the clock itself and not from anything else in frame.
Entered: 12:37
